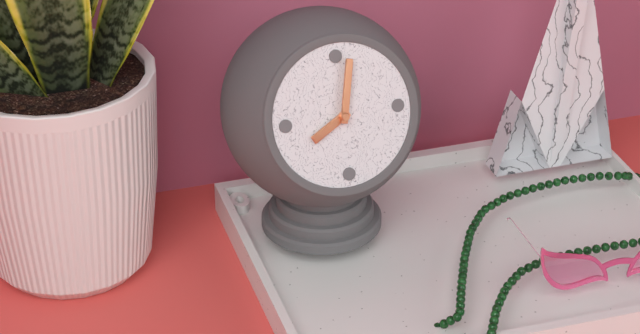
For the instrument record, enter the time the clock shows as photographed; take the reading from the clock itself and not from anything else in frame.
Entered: 8:02
